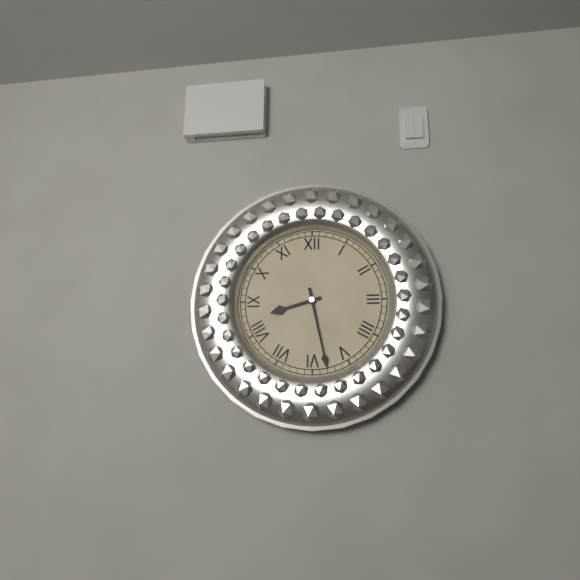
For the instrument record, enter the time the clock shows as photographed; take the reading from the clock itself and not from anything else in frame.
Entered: 8:28
